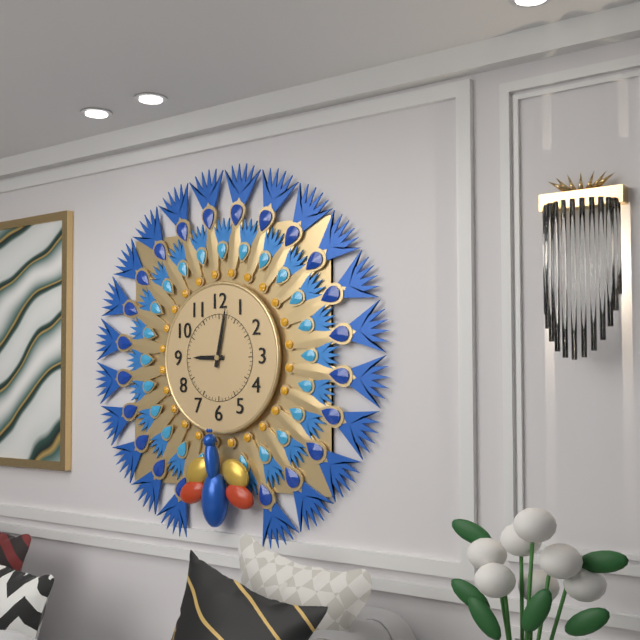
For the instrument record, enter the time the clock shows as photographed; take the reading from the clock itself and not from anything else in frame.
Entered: 9:02
